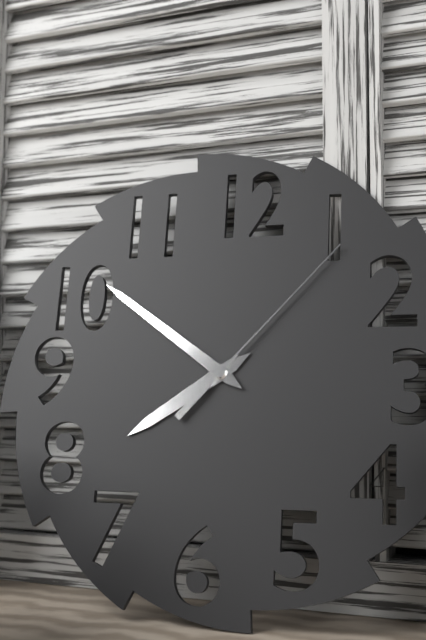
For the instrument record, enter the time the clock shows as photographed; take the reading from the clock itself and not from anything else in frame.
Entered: 7:51:07
